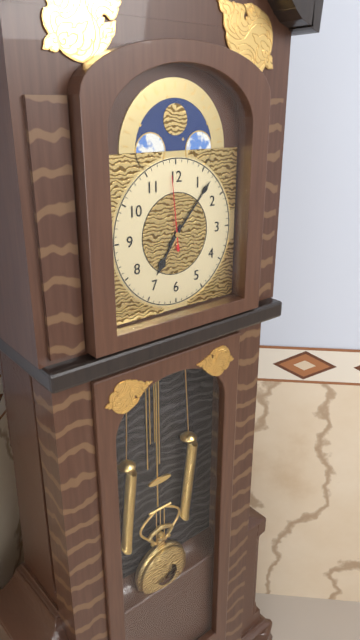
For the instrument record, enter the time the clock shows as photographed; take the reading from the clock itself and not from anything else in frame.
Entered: 7:07:59
